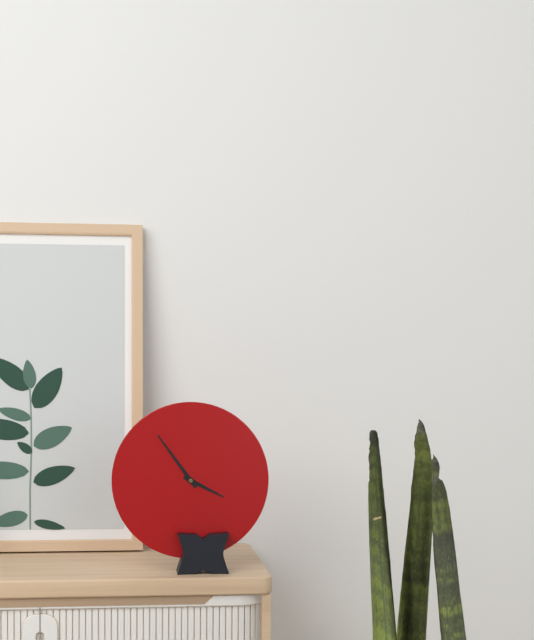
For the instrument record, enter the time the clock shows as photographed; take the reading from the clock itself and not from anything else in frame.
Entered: 3:54
